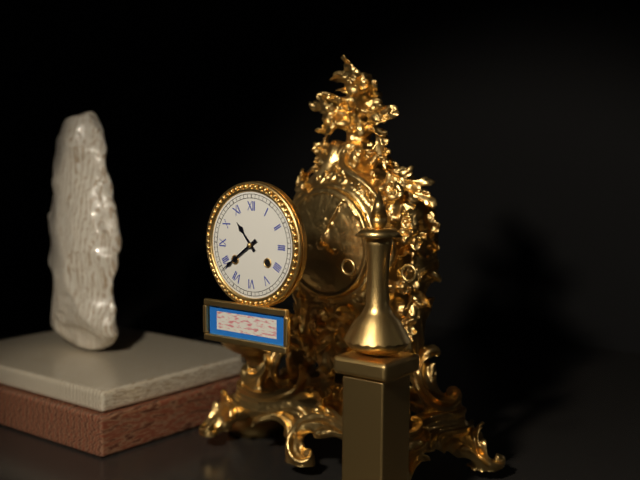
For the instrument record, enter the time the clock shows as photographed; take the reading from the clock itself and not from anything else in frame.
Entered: 10:39
